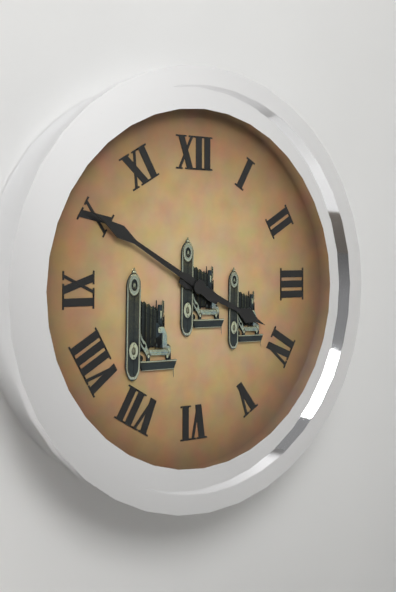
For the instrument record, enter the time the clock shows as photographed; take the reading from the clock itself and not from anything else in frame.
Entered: 3:50
